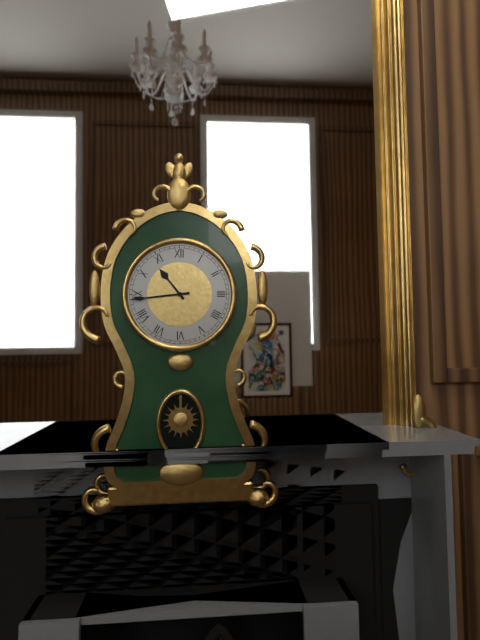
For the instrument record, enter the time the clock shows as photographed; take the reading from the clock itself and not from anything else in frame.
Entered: 10:44
